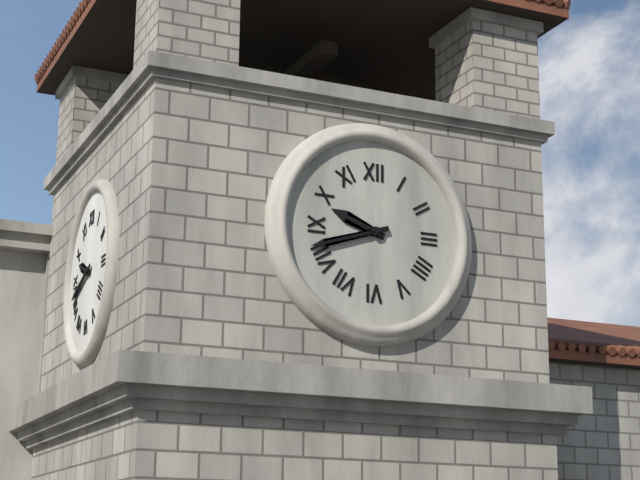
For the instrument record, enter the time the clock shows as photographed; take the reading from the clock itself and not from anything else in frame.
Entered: 9:42
